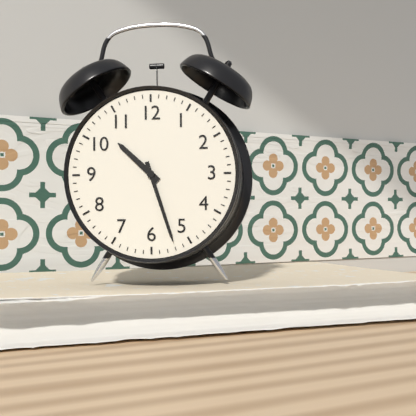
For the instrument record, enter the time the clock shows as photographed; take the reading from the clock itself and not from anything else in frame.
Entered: 10:27
